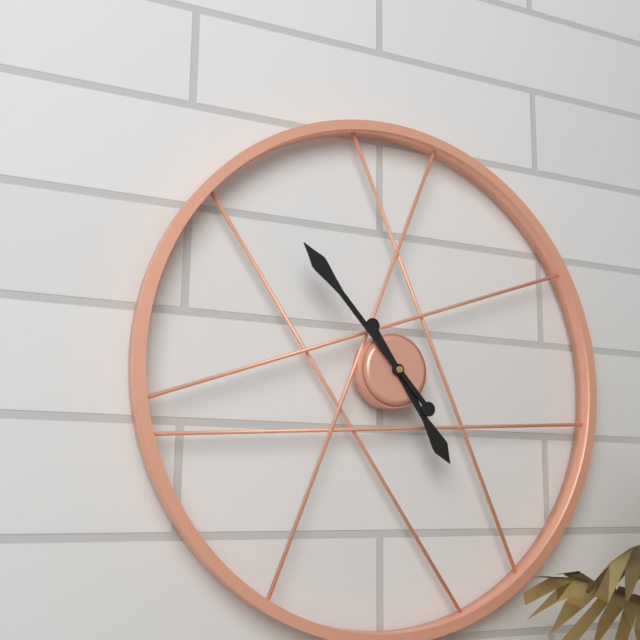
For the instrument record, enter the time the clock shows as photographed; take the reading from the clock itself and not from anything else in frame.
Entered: 4:53
